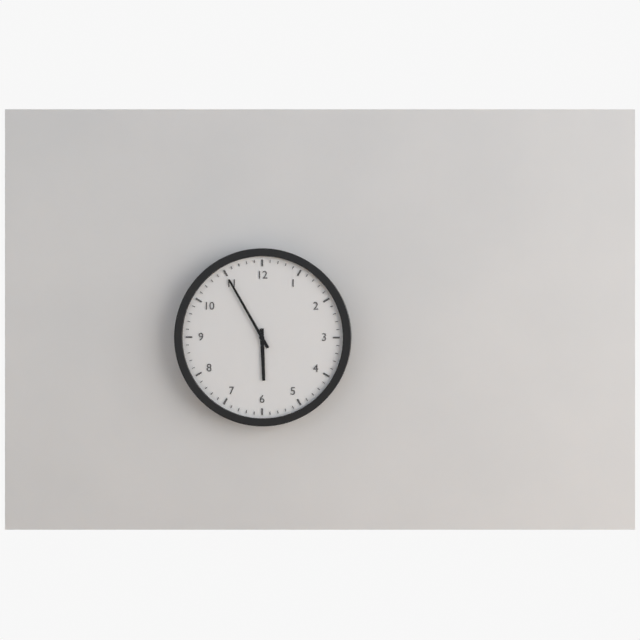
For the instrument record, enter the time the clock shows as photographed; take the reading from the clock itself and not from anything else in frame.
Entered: 5:55
